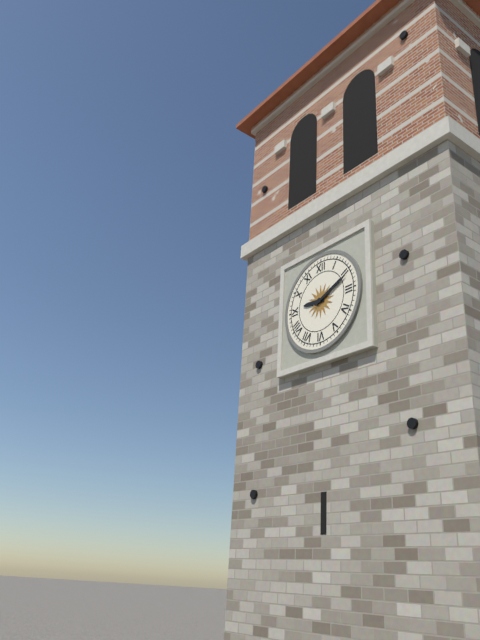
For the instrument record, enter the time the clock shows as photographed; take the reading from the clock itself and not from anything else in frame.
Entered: 9:11
